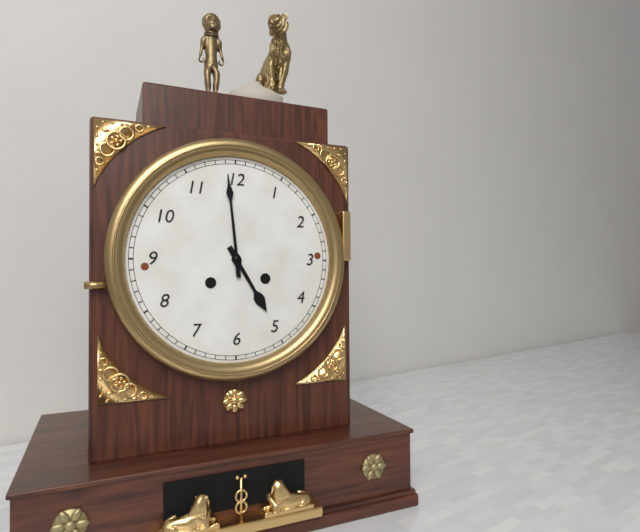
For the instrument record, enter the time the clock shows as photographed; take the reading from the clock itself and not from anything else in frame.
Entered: 4:59
